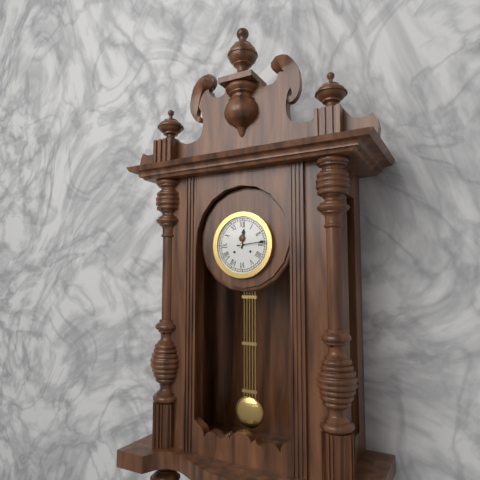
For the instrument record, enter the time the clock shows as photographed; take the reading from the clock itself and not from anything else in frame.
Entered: 12:14
